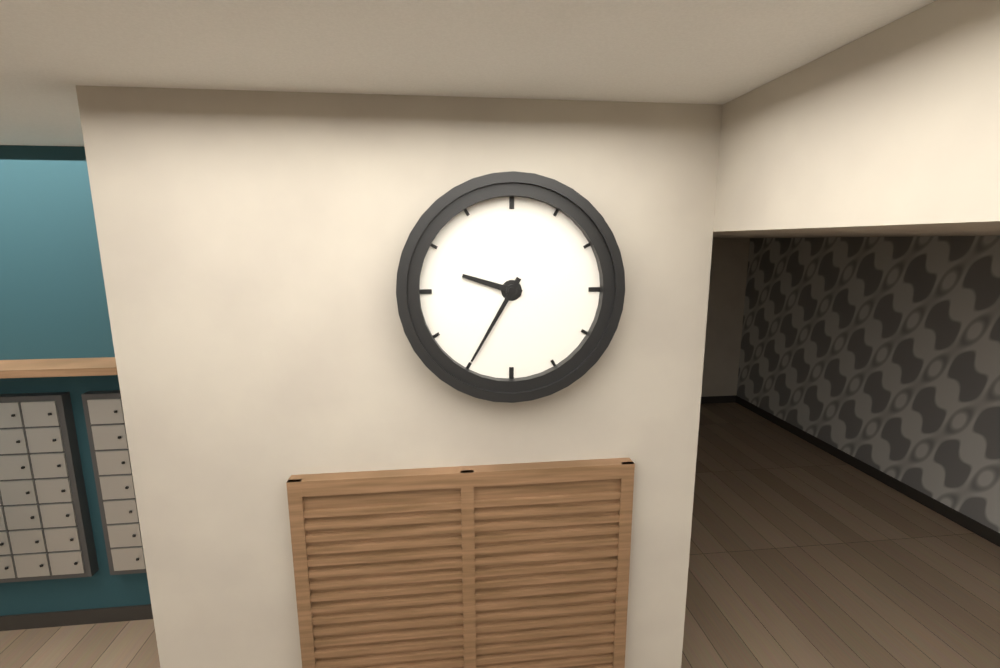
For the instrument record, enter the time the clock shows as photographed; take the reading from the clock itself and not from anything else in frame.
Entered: 9:35
